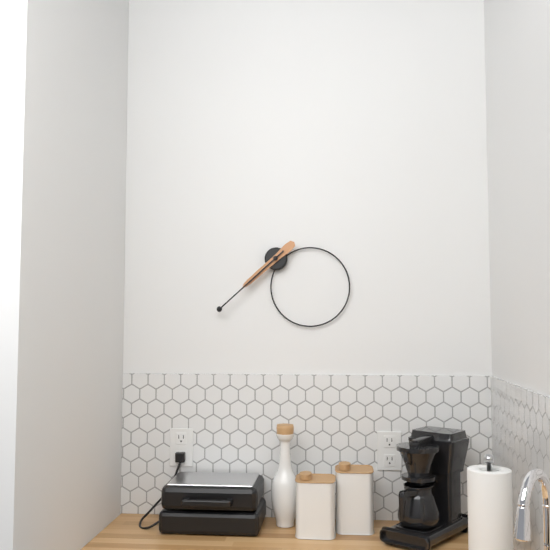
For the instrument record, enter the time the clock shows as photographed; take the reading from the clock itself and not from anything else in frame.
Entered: 7:38
